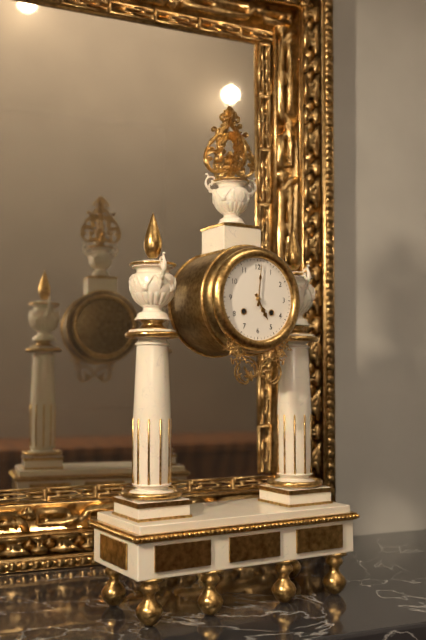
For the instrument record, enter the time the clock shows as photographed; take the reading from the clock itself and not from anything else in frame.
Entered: 5:01
